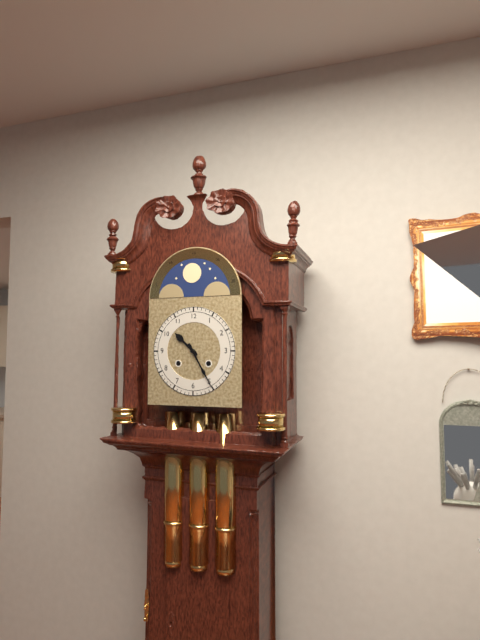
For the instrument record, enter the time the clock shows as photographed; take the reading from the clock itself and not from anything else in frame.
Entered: 10:25
